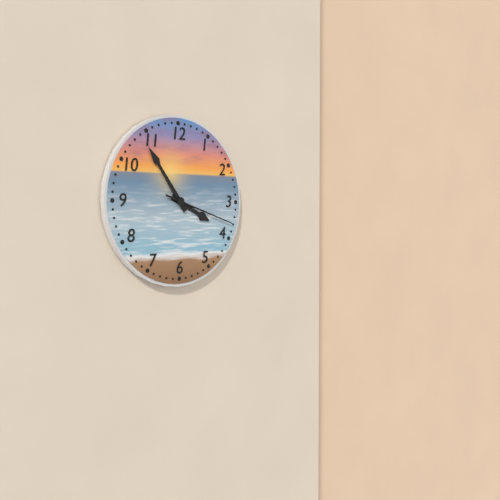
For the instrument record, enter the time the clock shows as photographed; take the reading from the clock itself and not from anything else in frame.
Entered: 3:54:18
